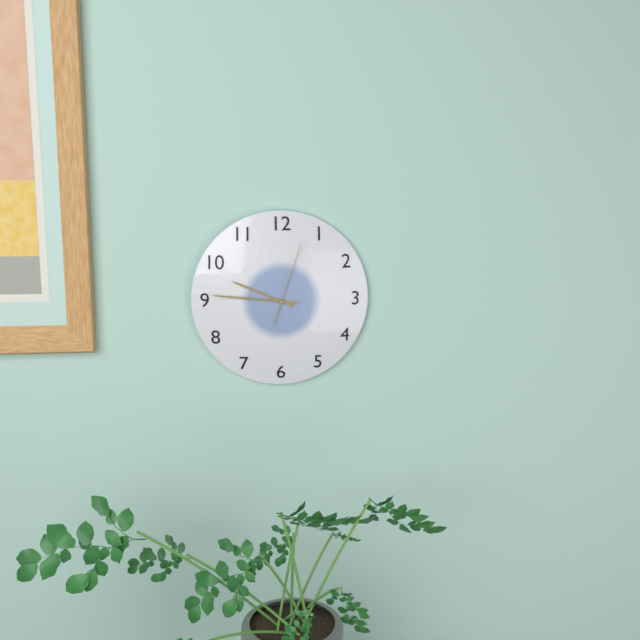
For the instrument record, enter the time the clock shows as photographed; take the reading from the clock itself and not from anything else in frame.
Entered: 9:46:03
